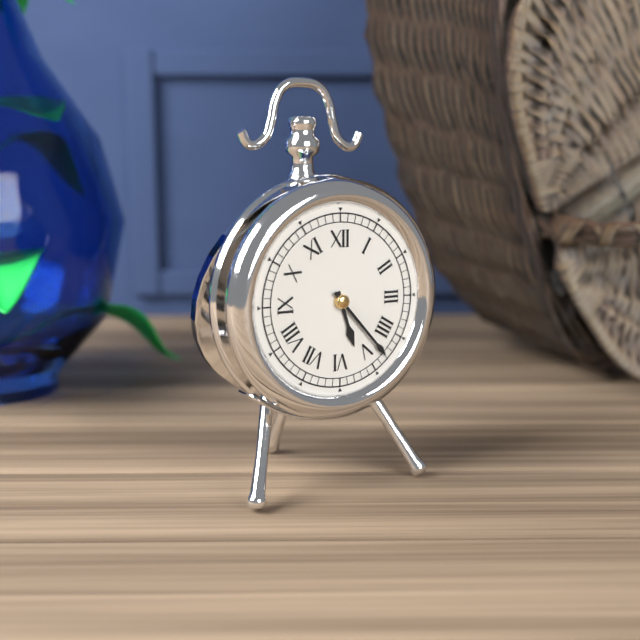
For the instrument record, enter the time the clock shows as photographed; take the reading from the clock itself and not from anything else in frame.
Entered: 5:23
